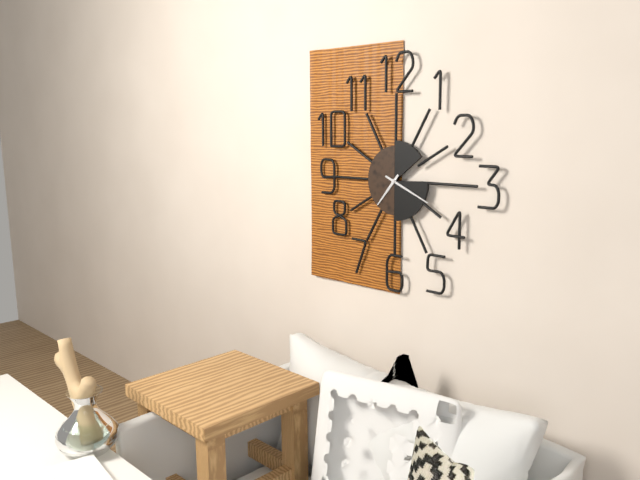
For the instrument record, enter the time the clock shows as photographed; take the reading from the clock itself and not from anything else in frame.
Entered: 7:19
